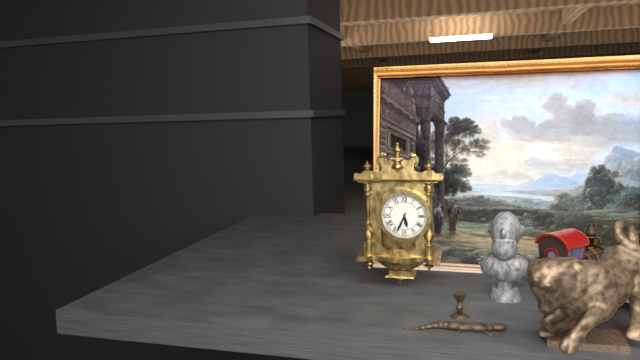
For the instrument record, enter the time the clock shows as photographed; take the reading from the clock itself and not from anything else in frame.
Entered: 5:34
